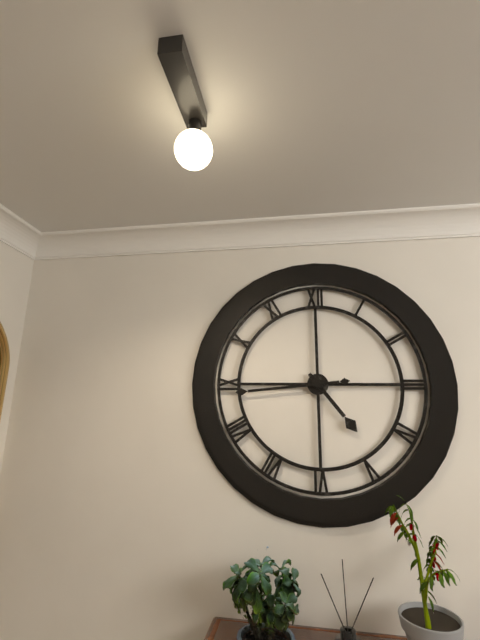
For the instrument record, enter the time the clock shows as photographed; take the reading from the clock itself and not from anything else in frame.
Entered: 4:44
